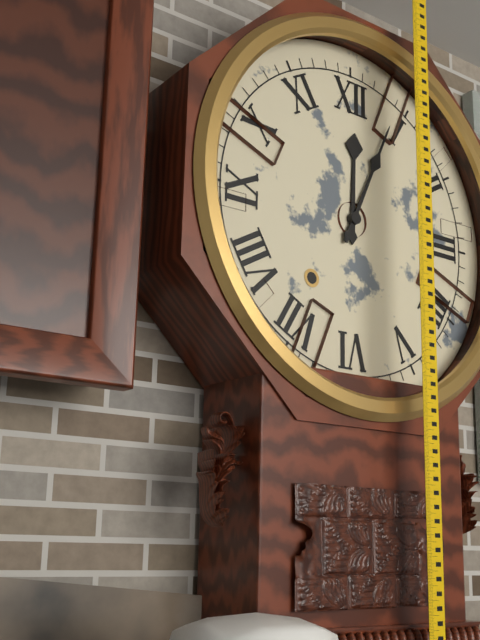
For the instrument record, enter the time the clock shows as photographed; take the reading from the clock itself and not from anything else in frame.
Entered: 12:04
